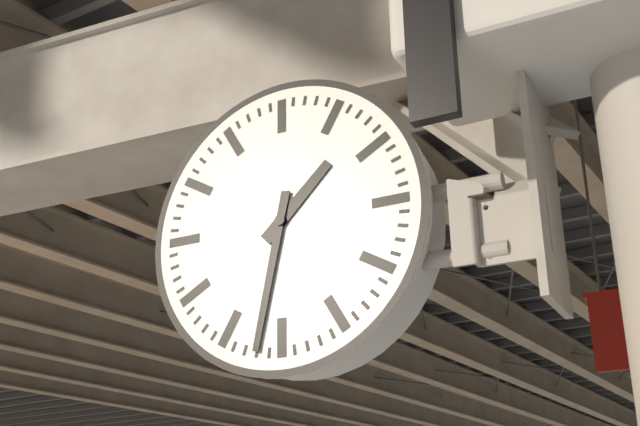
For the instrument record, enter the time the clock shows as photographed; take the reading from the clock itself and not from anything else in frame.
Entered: 1:32
